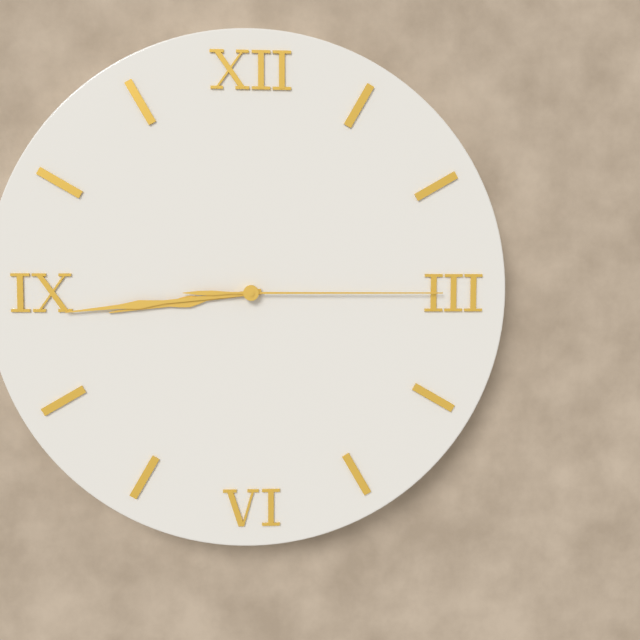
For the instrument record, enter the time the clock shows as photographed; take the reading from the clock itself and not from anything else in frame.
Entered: 8:44:15
